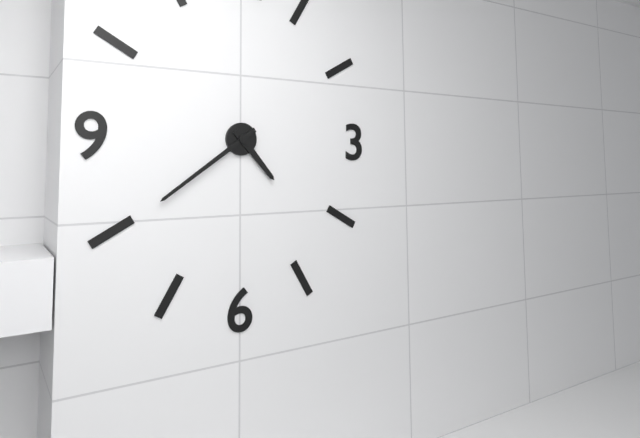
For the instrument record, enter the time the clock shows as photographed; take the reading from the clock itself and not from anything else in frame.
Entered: 4:39
